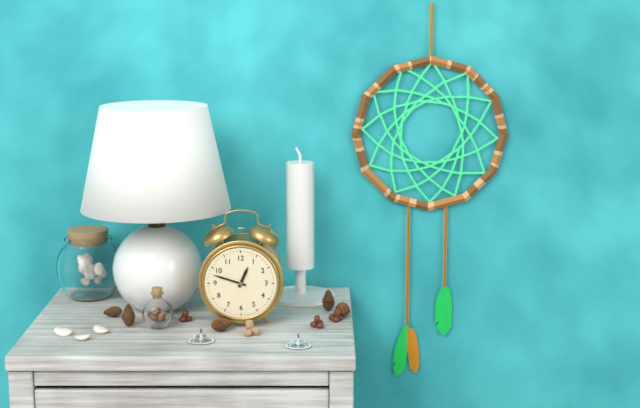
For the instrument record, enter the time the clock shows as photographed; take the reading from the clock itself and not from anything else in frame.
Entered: 12:48
